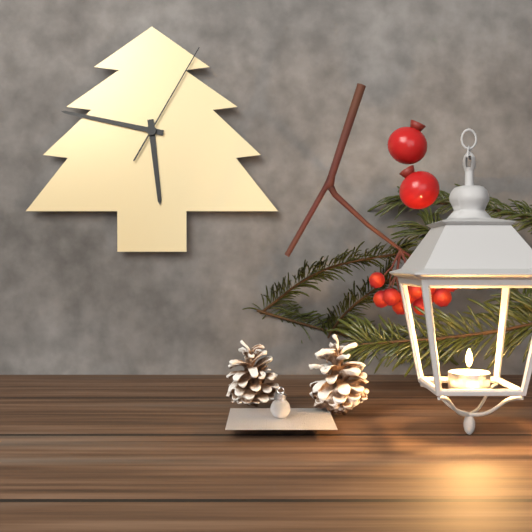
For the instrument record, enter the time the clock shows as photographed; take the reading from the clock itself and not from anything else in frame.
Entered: 5:47:05
